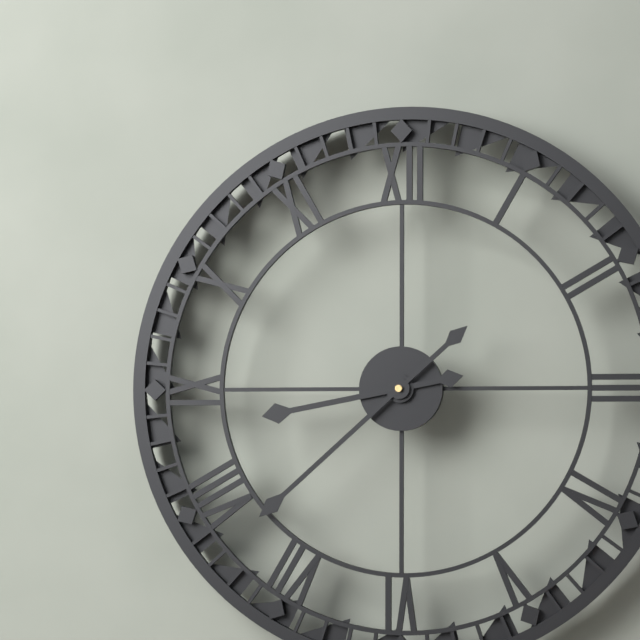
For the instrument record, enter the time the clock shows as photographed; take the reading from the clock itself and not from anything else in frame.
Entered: 8:38
